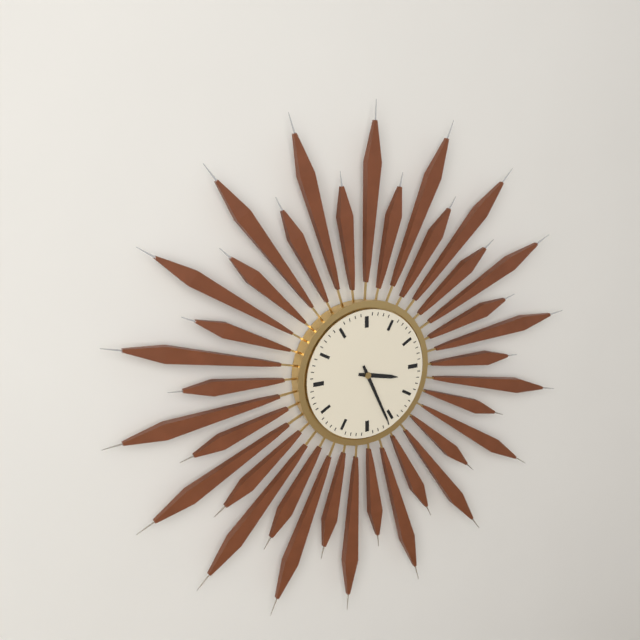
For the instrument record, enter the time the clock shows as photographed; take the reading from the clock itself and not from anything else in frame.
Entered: 3:26
